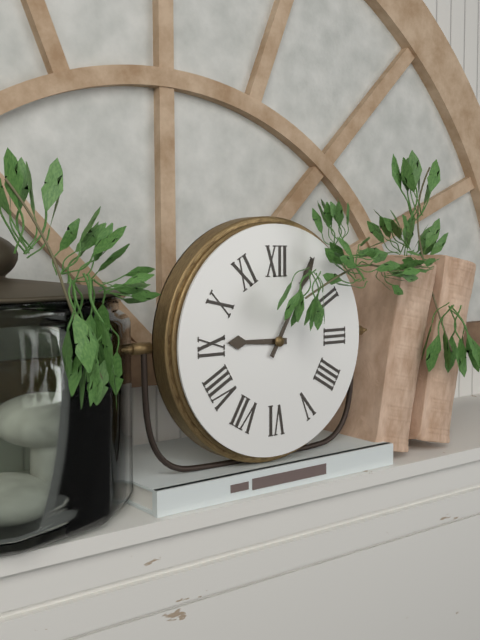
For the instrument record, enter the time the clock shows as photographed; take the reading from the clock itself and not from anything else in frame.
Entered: 9:05
